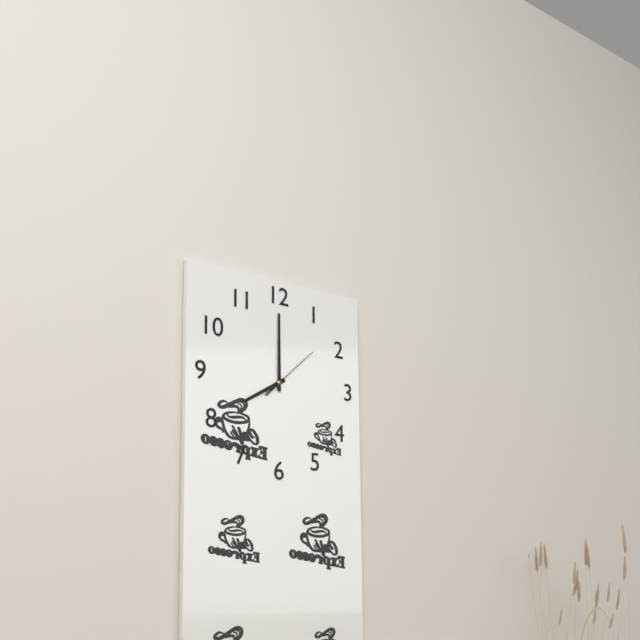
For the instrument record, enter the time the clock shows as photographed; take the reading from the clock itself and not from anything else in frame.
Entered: 8:00:08
